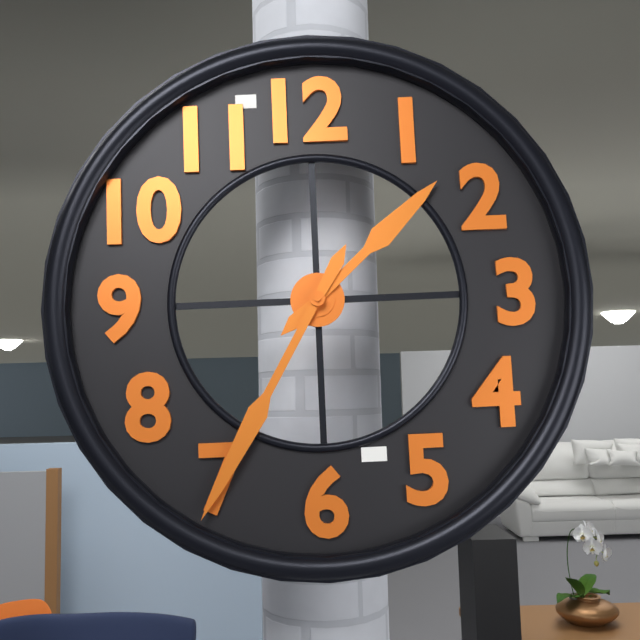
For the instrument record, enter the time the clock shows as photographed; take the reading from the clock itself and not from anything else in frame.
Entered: 1:35
